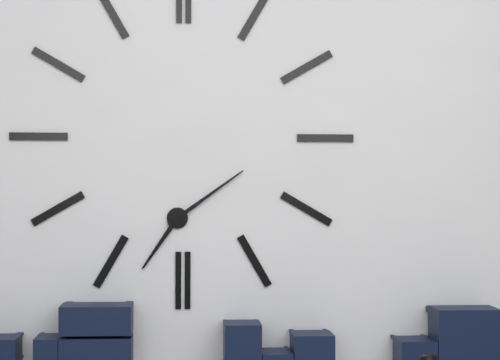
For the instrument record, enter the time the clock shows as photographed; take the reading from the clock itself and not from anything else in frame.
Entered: 7:09
